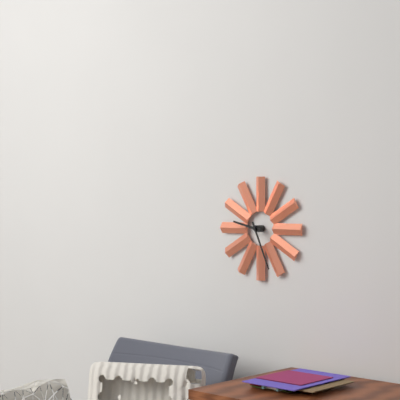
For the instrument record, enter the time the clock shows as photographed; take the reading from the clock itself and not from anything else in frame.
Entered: 9:26
